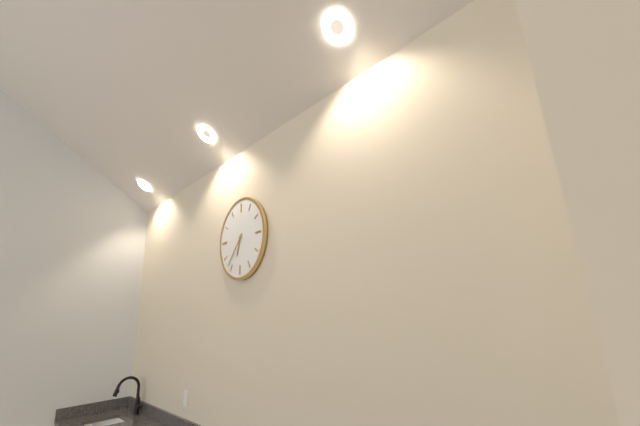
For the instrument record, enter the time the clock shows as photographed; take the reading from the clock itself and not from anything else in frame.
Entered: 6:37
